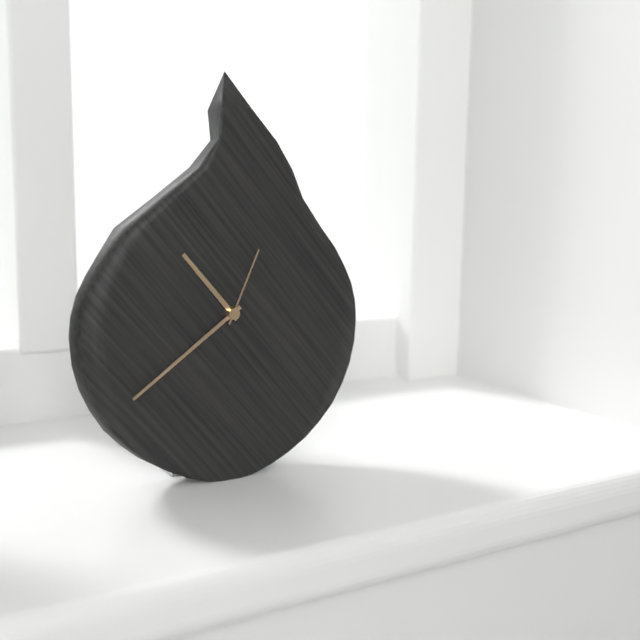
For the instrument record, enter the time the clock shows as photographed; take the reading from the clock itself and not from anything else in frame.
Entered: 10:39:04
